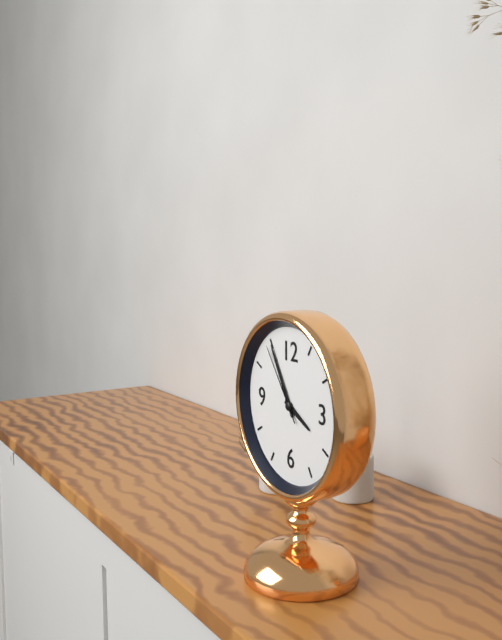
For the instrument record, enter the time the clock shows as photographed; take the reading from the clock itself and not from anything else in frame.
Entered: 3:55:54
